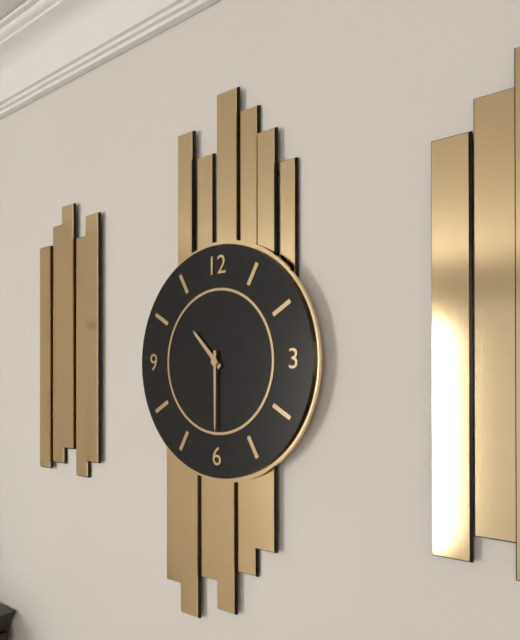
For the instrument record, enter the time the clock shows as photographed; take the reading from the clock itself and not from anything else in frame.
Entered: 10:30
